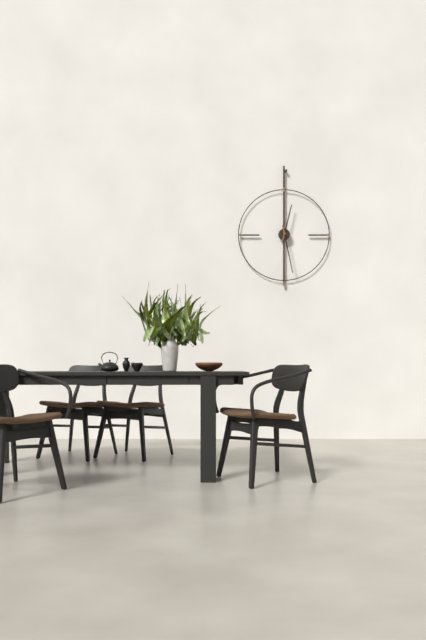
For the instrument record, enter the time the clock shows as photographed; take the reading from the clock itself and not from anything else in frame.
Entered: 12:28
